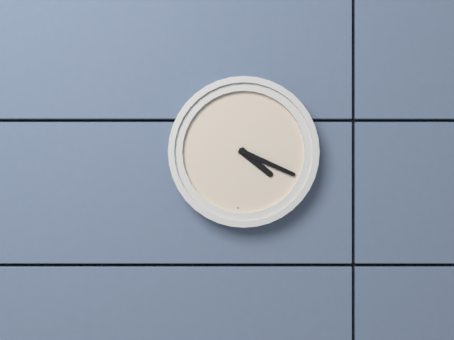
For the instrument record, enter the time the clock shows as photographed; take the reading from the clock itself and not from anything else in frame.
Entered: 4:19
